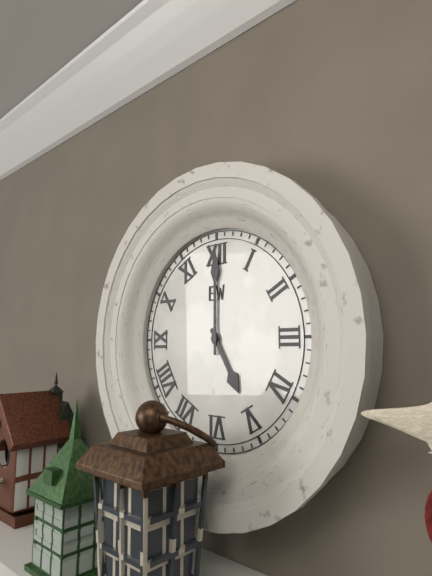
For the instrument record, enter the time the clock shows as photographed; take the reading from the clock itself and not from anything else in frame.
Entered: 5:00
